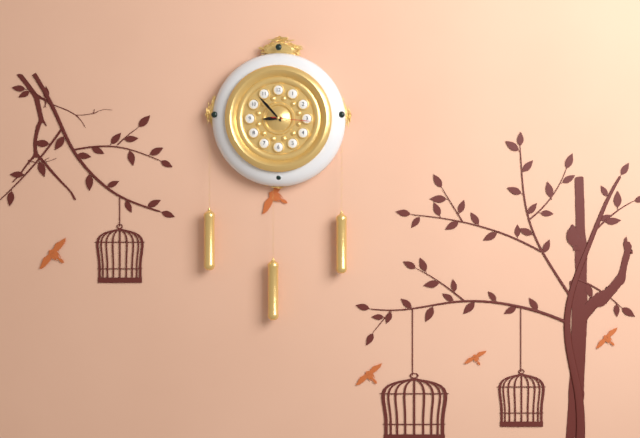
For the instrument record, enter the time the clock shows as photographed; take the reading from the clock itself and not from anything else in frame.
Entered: 8:53
